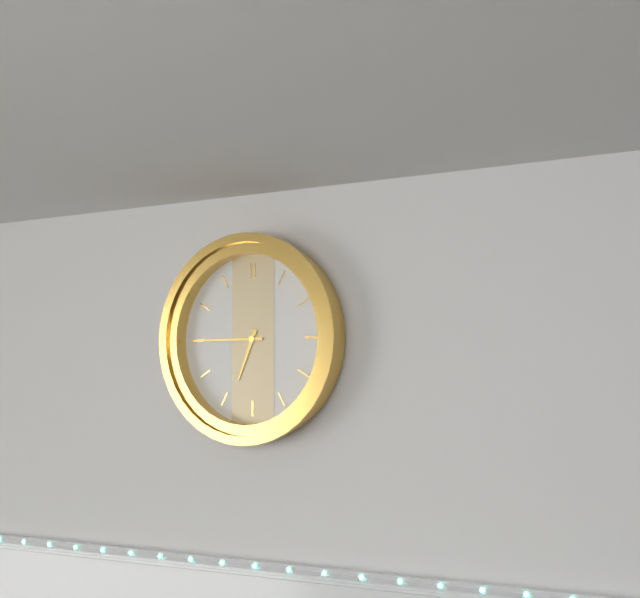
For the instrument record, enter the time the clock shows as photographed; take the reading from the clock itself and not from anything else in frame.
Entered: 6:45
